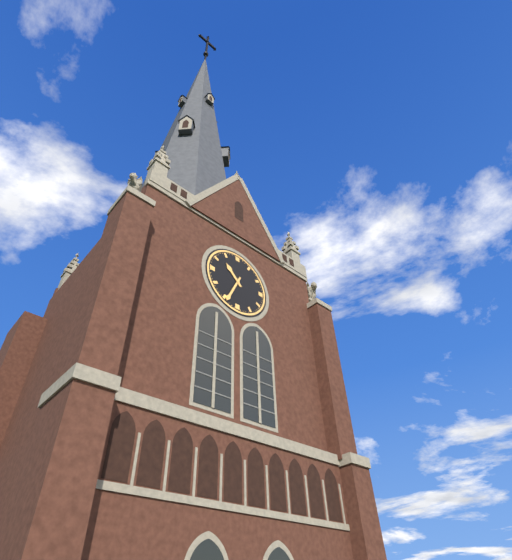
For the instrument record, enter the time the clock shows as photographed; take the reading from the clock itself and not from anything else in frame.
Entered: 10:34
